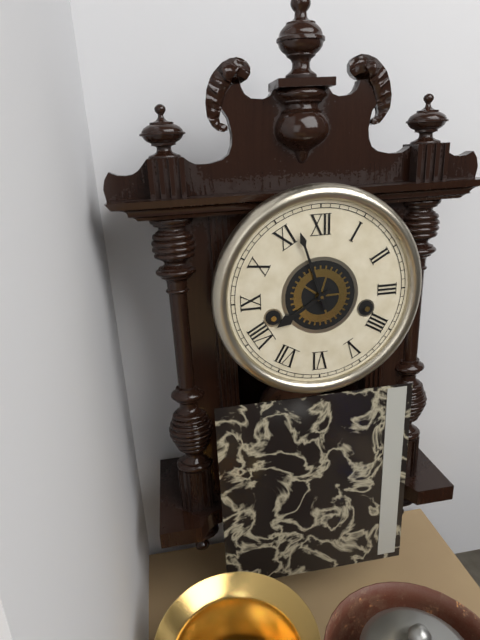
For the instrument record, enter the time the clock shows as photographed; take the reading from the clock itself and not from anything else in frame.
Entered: 7:57
